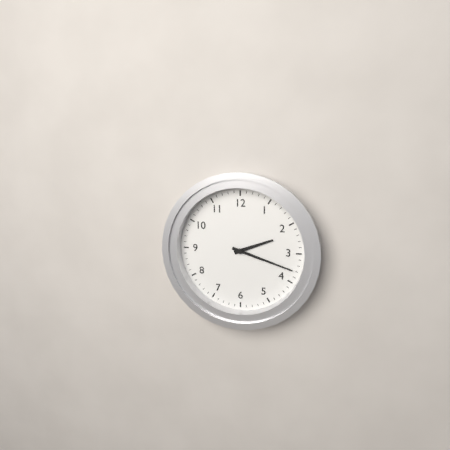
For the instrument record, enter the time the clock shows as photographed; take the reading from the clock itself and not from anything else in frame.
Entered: 2:18
